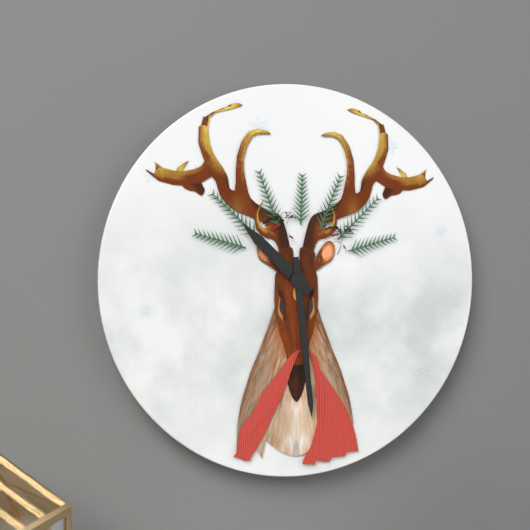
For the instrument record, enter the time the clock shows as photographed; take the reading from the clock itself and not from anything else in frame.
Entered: 10:29
